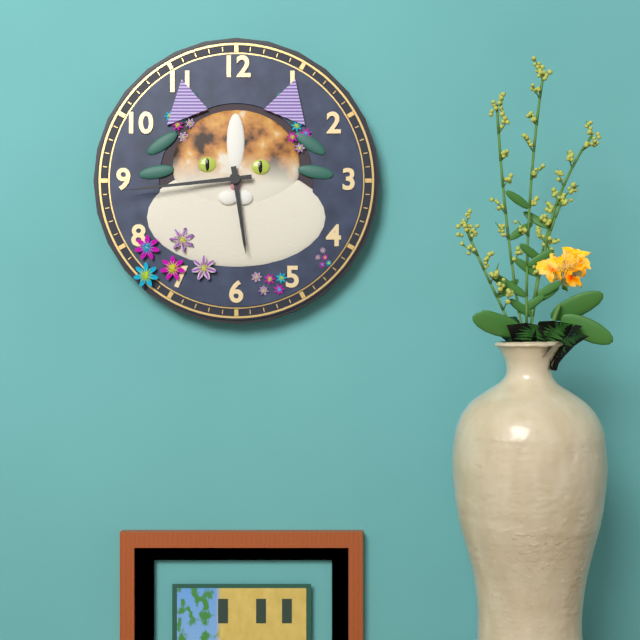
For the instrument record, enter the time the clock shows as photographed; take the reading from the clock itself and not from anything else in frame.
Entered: 5:44
